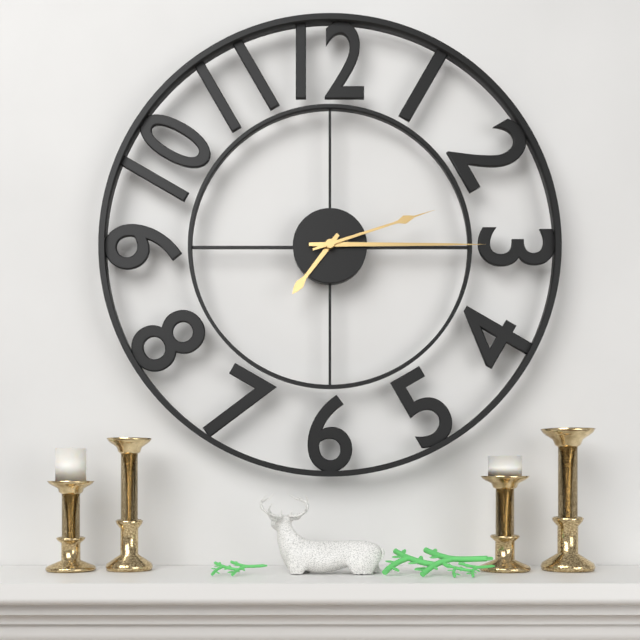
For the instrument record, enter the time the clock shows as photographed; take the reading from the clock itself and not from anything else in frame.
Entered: 7:15:12
